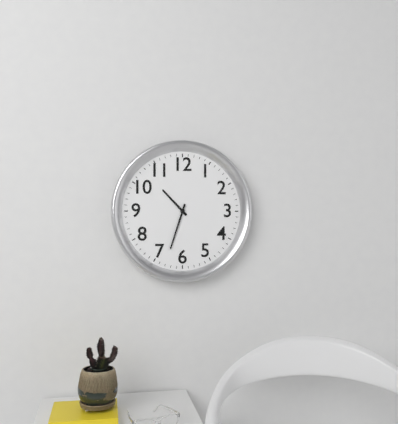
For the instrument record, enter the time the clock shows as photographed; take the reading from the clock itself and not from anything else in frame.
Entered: 10:33
